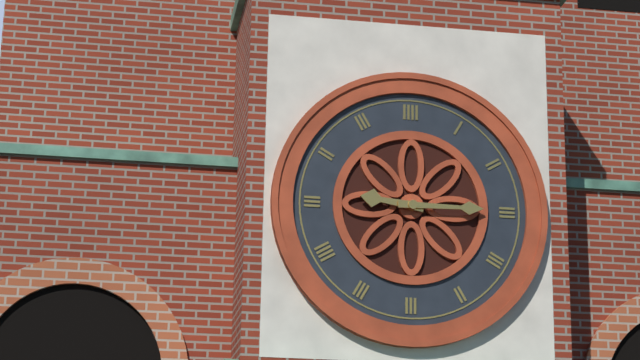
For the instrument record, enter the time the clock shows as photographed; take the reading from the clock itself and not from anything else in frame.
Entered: 9:15
